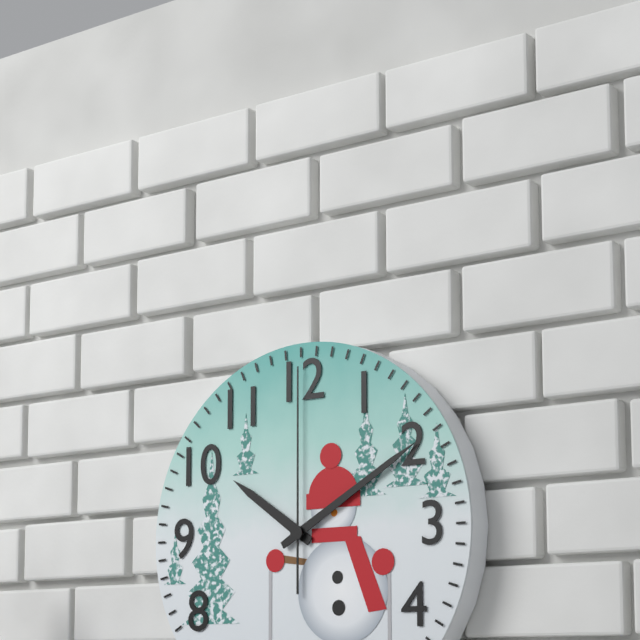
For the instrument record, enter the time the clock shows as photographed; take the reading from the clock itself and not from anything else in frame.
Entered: 10:10:00
